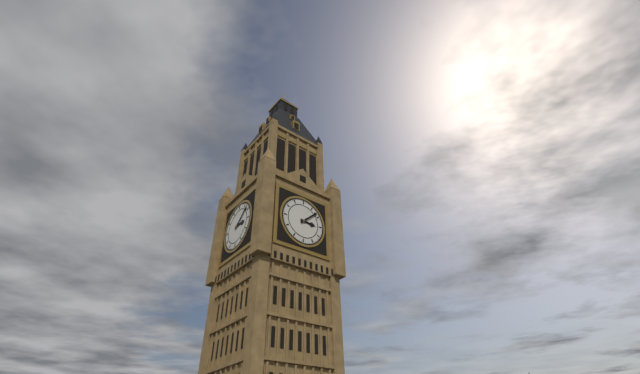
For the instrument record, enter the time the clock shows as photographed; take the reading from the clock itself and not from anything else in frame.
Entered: 3:08
